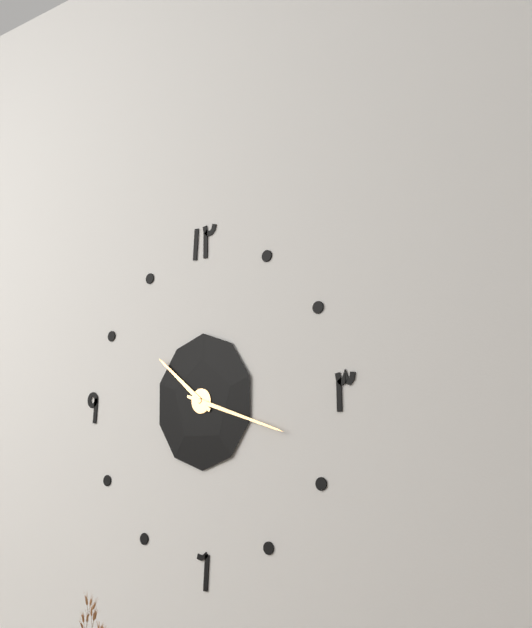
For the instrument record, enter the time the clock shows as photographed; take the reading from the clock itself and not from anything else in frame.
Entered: 10:18
